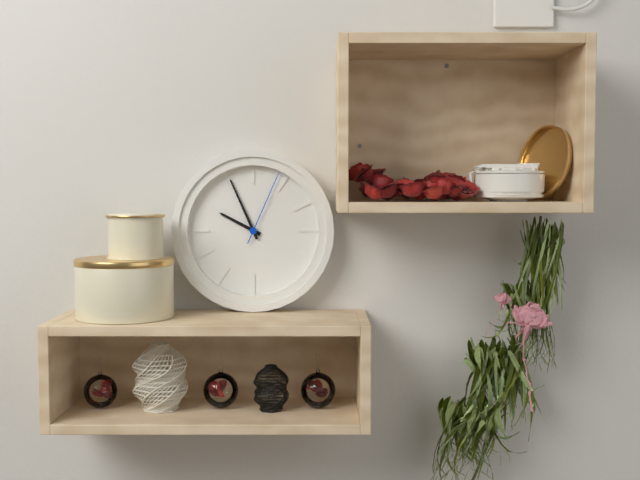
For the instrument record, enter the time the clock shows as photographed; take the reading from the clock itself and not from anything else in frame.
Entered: 9:56:04
